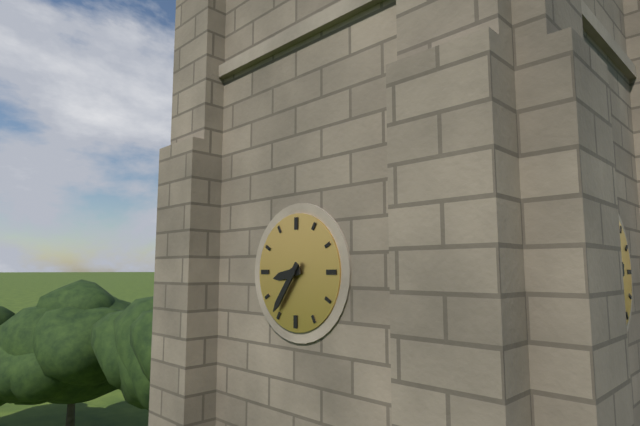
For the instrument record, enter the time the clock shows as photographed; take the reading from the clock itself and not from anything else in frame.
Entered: 8:36
